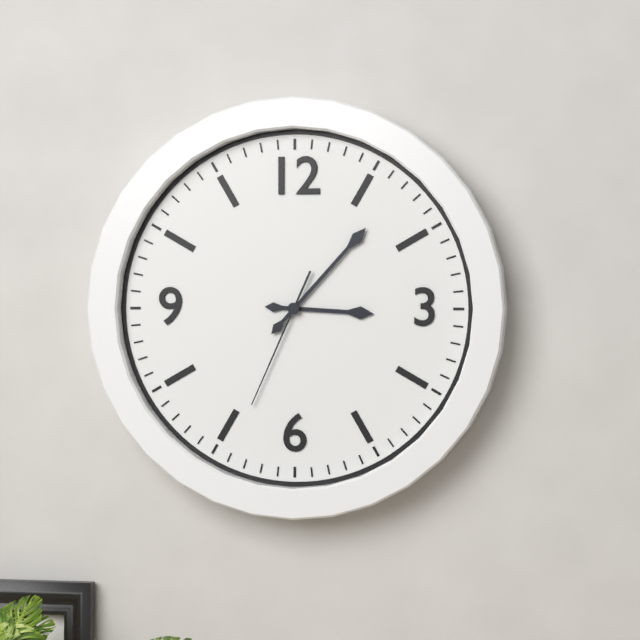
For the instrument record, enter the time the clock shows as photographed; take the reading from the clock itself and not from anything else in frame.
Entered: 3:07:34
